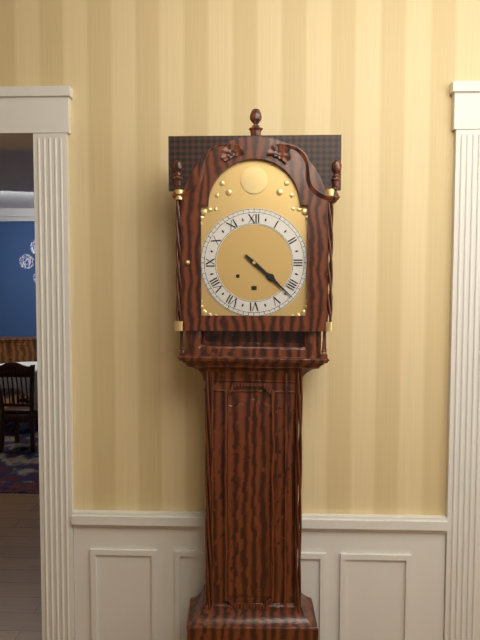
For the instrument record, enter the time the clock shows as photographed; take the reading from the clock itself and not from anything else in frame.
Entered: 4:22
